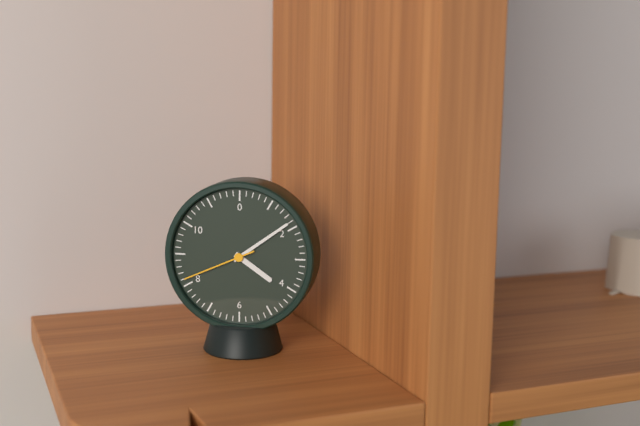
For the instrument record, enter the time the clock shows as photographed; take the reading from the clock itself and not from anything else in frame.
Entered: 4:09:41
